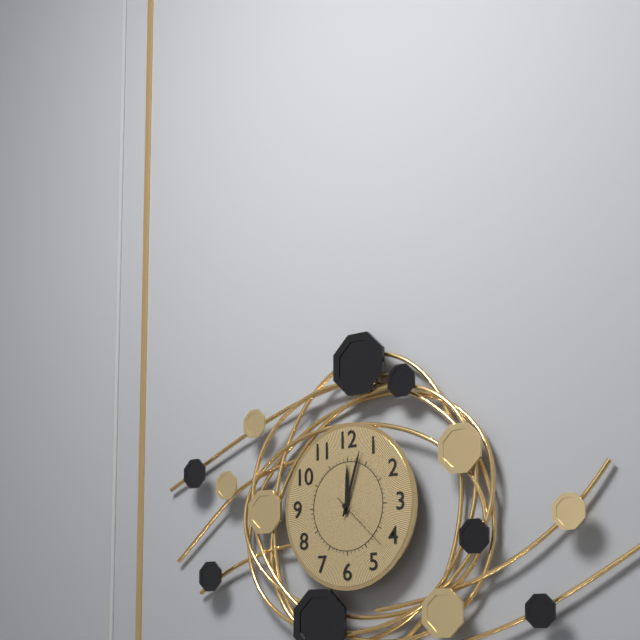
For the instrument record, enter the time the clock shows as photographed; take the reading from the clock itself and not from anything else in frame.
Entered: 12:03:22
